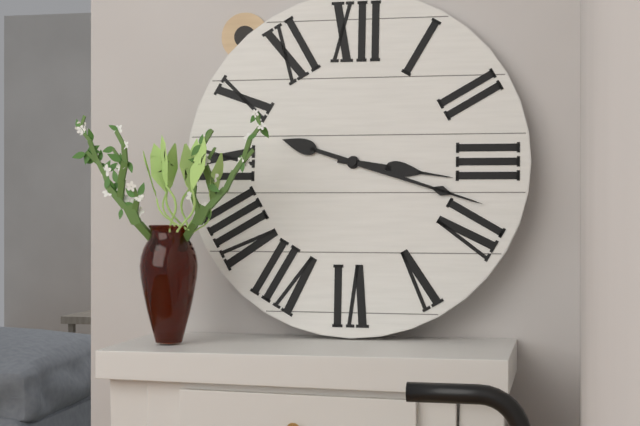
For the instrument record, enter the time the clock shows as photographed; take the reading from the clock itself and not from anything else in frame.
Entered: 3:18
